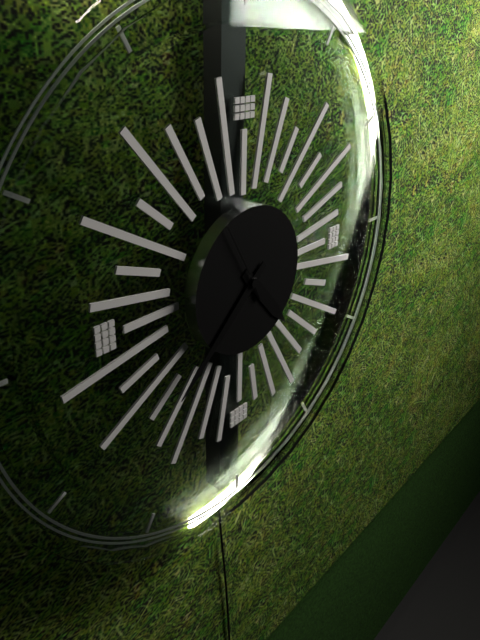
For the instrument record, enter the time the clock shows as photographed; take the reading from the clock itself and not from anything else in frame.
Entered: 4:38:55
